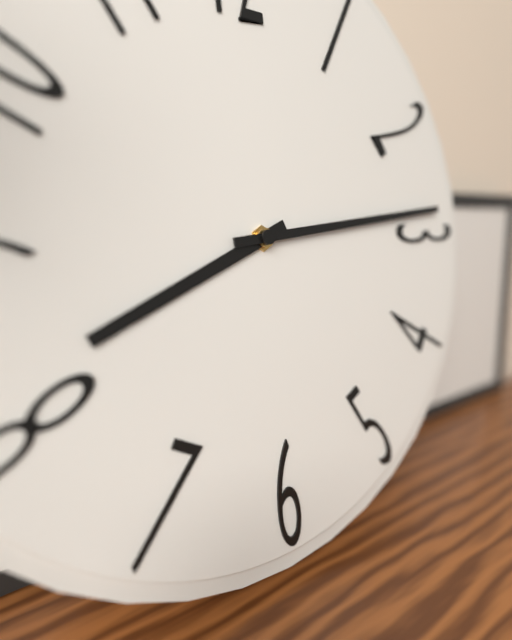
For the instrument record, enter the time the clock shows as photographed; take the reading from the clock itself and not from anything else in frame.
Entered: 8:14
